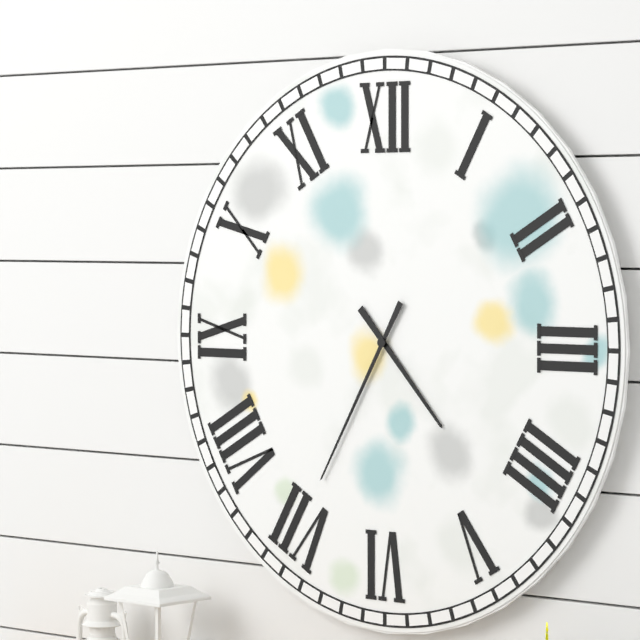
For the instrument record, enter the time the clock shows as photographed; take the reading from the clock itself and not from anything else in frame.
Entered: 4:35
